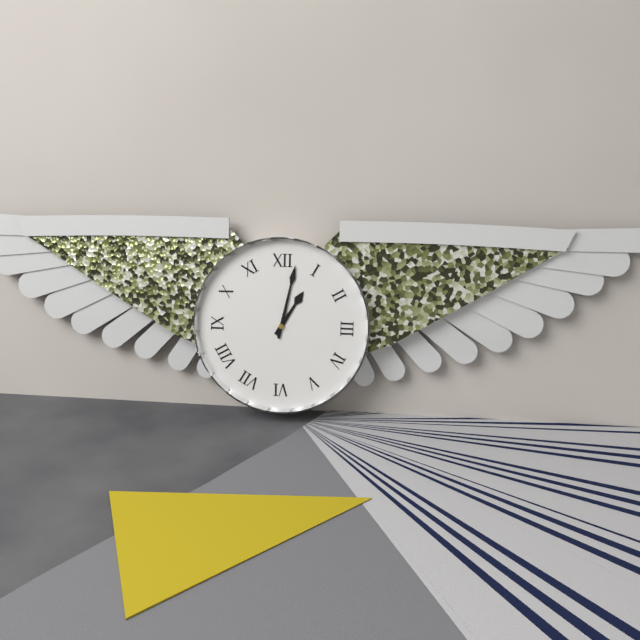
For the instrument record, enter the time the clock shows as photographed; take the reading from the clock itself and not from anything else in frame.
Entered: 1:02
